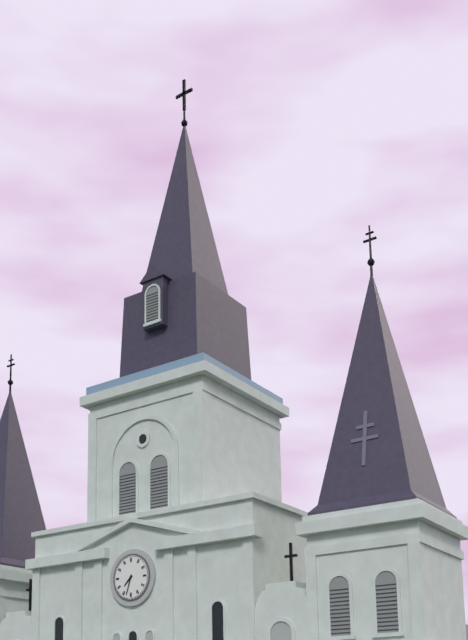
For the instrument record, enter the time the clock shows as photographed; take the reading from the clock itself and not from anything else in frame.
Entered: 7:33
